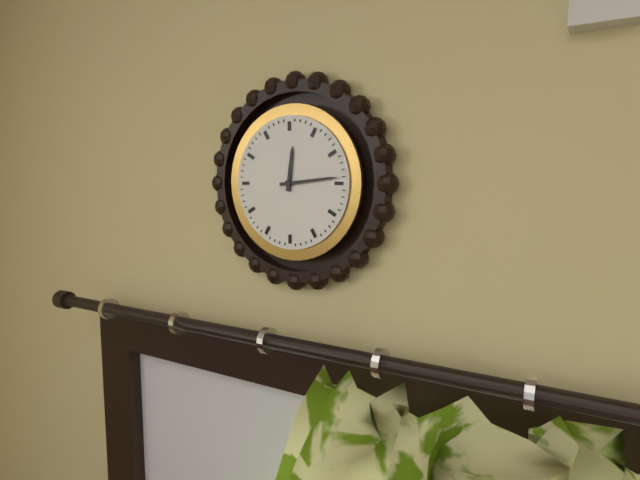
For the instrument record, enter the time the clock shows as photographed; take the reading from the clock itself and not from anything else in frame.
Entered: 12:14
